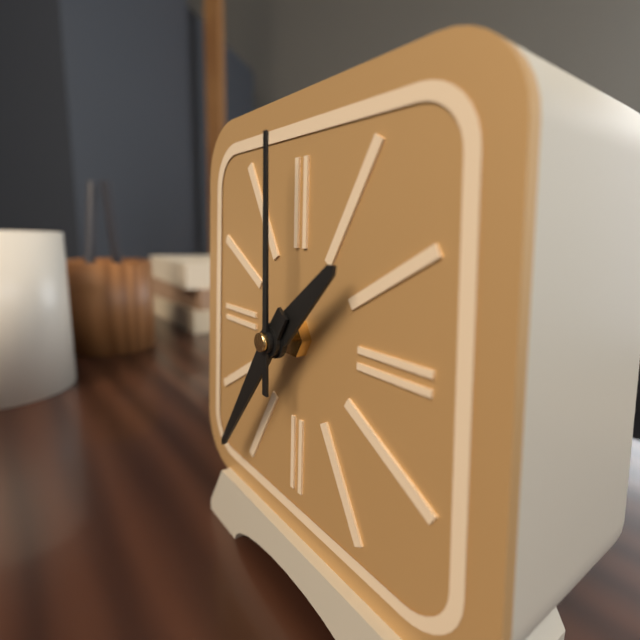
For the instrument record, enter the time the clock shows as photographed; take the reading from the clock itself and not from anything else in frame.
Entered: 1:36:00
